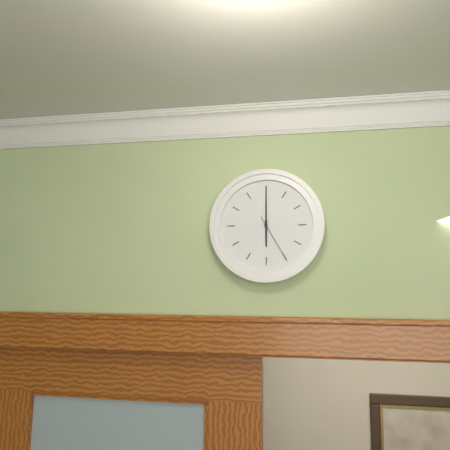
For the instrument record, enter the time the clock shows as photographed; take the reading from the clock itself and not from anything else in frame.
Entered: 6:00:25
